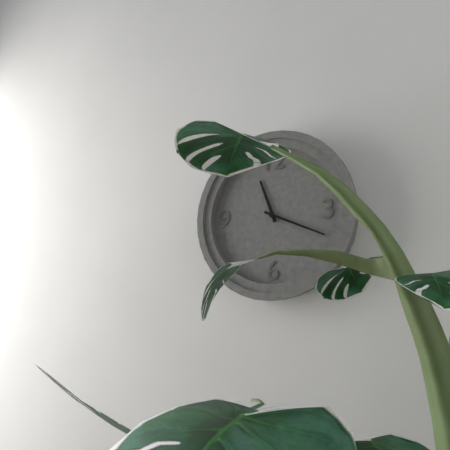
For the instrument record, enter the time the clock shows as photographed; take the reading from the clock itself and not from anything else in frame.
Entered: 11:19
